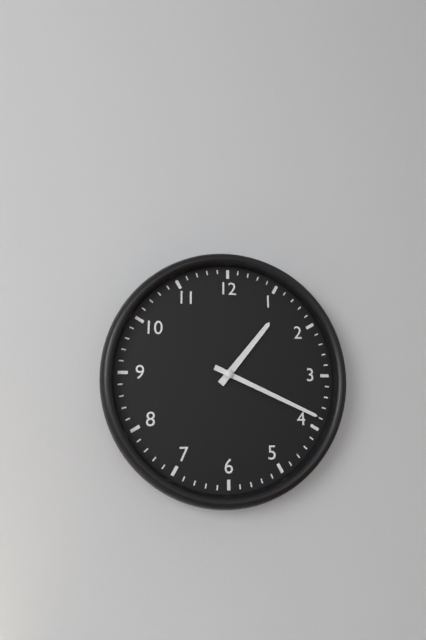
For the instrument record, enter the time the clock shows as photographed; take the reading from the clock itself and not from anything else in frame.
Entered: 1:19
